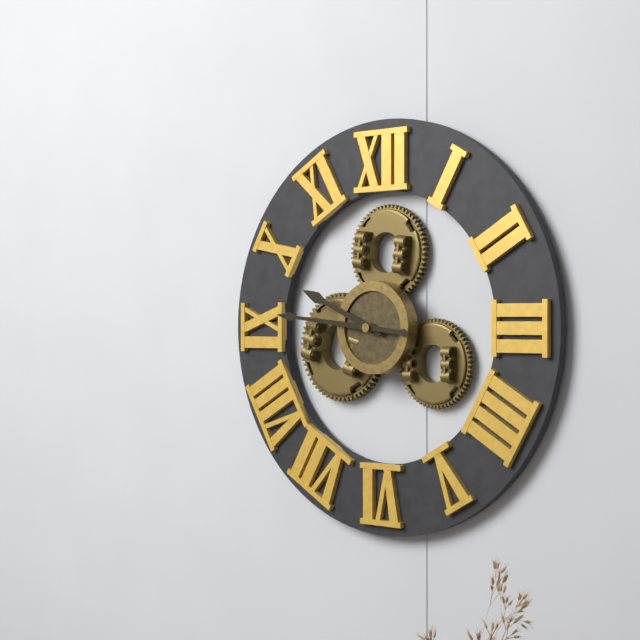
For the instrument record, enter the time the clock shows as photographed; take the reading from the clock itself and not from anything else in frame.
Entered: 9:46
